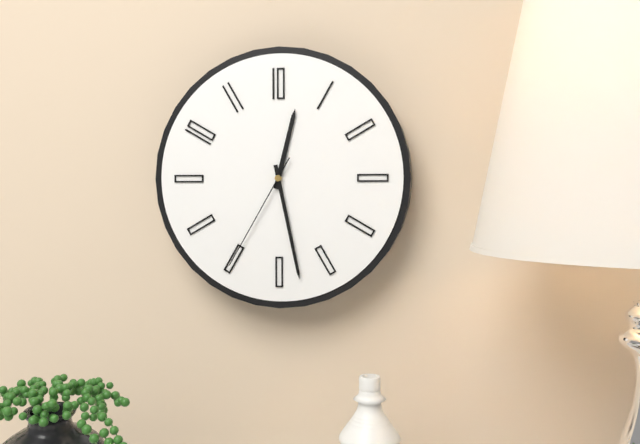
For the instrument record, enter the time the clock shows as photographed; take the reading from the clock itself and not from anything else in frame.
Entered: 12:28:35
